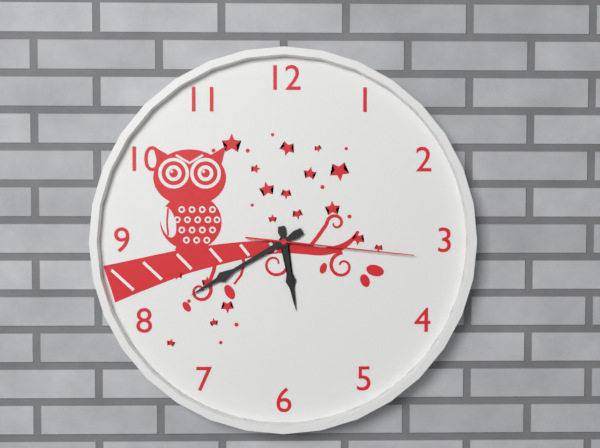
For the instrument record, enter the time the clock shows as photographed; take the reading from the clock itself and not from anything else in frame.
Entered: 5:40:16
